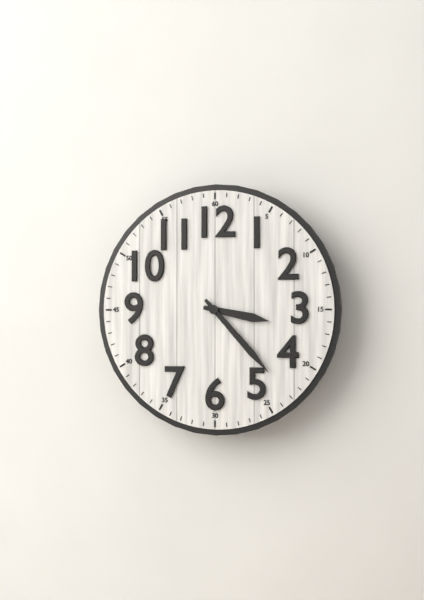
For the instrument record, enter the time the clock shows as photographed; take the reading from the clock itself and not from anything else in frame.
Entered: 3:23
